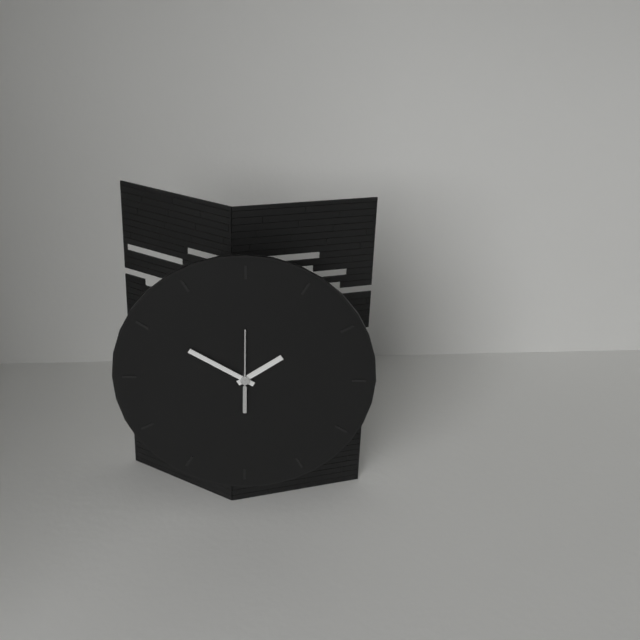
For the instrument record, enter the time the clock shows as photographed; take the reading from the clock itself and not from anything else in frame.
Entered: 1:50:00
